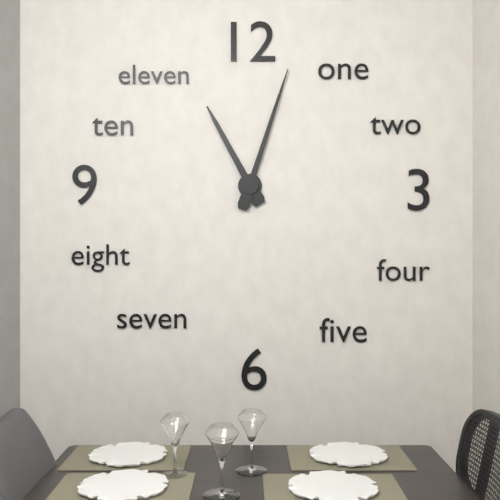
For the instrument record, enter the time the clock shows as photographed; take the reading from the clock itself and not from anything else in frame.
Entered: 11:03
